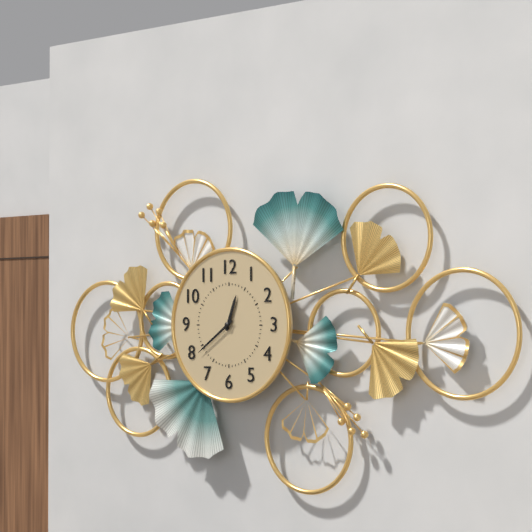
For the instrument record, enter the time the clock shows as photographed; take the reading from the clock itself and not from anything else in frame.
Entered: 12:39
